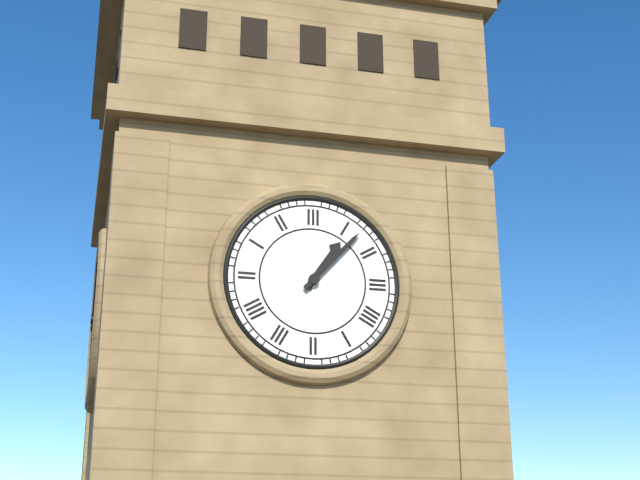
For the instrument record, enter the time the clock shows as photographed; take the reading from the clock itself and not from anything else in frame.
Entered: 1:07
